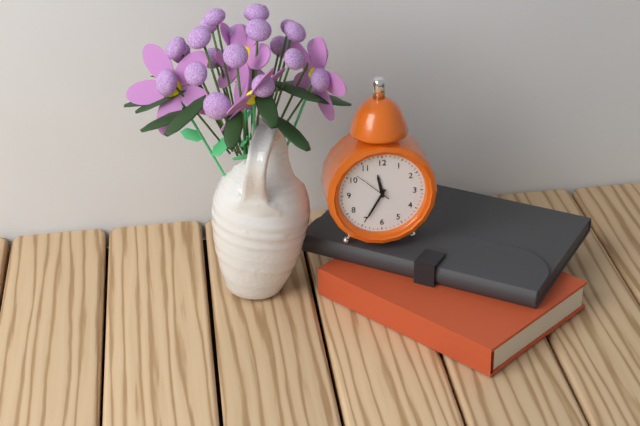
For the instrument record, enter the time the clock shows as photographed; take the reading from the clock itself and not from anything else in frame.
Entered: 11:35
